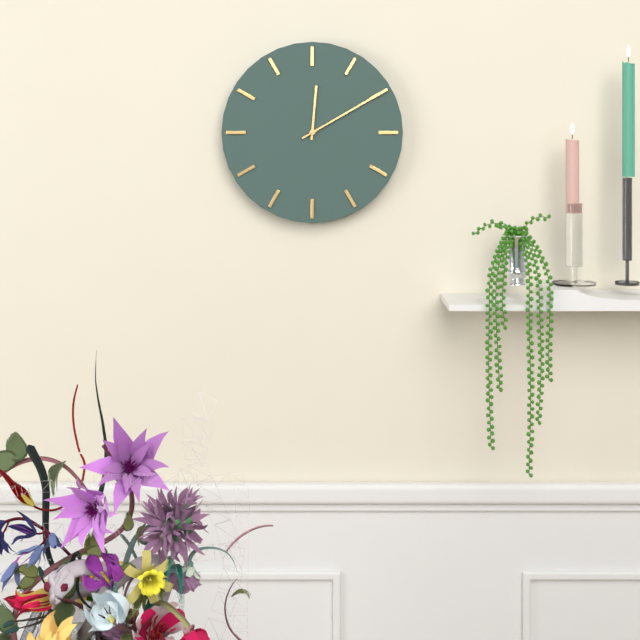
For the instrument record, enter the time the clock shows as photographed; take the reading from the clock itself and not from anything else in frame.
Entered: 12:10
